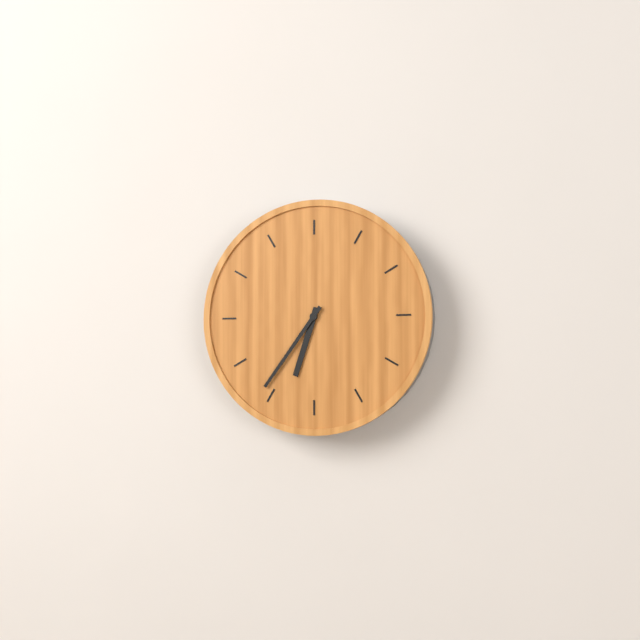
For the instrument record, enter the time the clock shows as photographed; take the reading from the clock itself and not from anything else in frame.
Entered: 6:36
